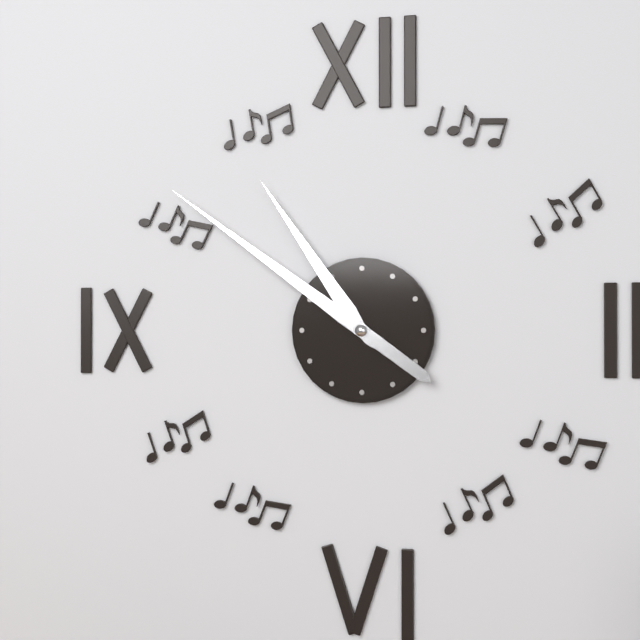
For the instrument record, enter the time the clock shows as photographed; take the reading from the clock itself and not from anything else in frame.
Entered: 10:51
